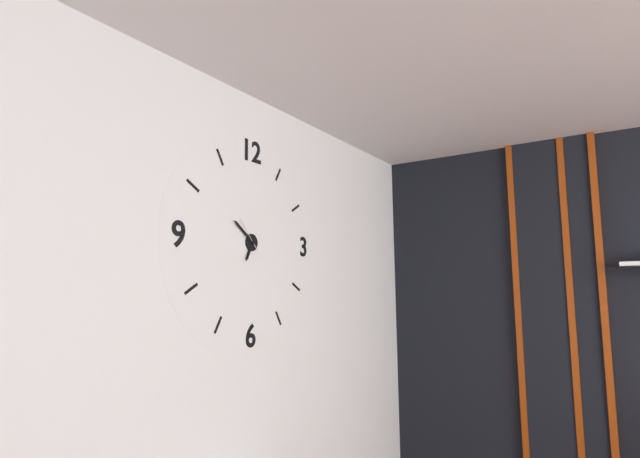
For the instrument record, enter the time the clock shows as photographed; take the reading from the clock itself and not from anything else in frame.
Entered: 6:51
